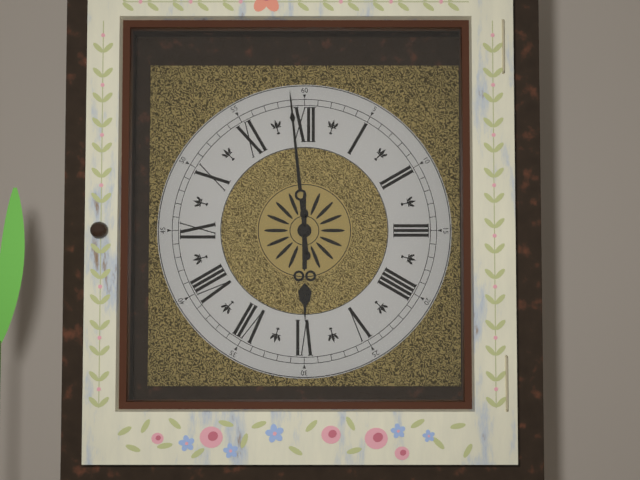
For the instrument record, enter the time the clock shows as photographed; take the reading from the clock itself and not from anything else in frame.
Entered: 5:59
